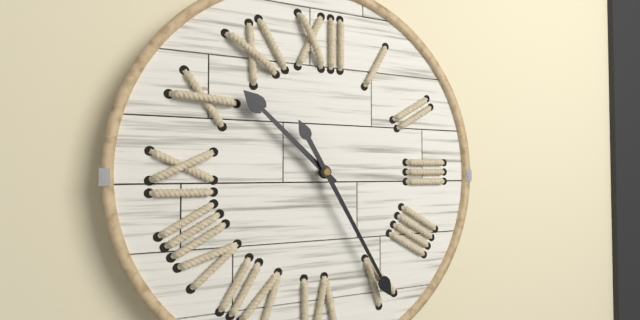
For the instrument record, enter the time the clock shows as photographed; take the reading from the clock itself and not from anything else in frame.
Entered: 10:25
